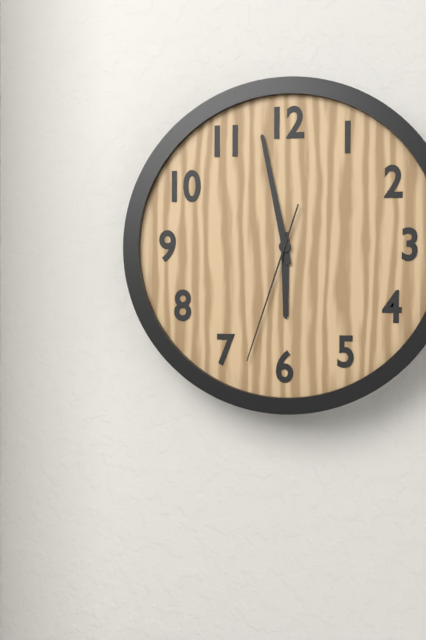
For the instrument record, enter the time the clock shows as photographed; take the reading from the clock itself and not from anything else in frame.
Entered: 5:58:33
